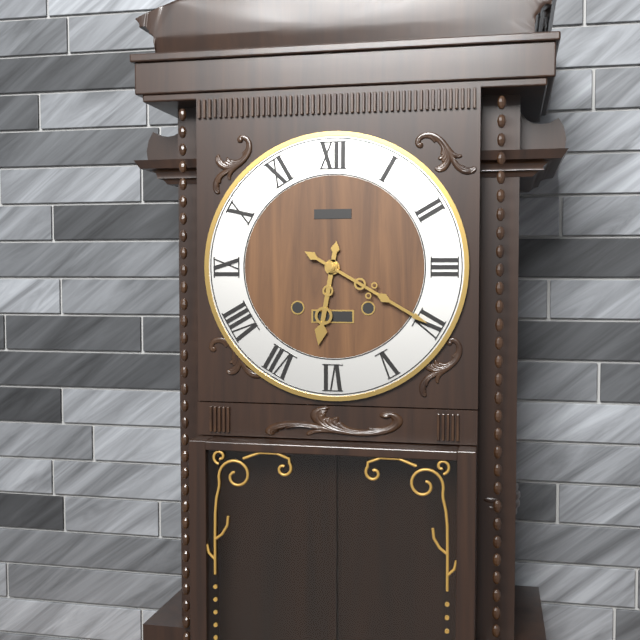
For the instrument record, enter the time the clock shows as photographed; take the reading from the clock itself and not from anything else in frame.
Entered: 6:20
